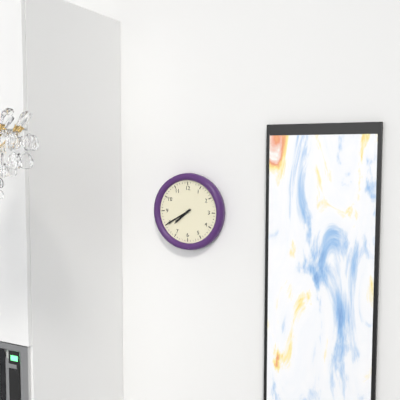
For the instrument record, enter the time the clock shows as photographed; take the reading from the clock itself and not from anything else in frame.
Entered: 7:40
